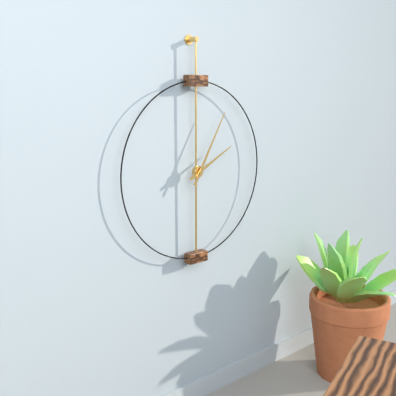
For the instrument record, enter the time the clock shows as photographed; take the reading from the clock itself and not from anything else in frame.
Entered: 2:05
